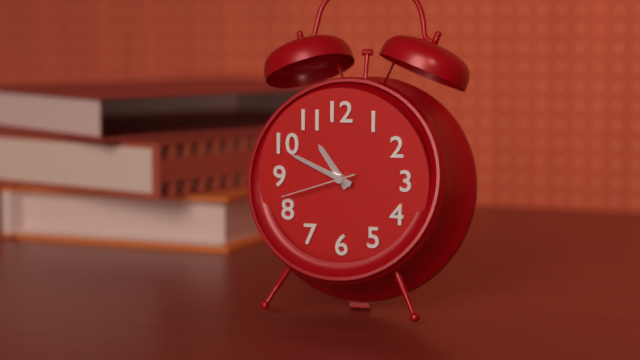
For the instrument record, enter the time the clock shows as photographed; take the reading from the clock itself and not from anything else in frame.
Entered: 10:49:42
